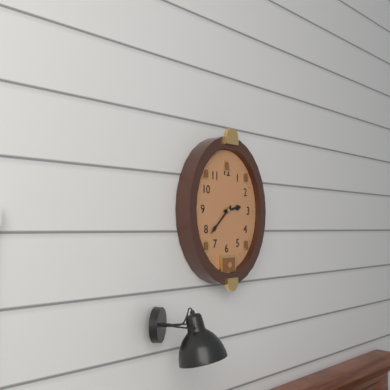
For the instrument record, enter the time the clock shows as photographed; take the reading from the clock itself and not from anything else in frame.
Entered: 2:38
